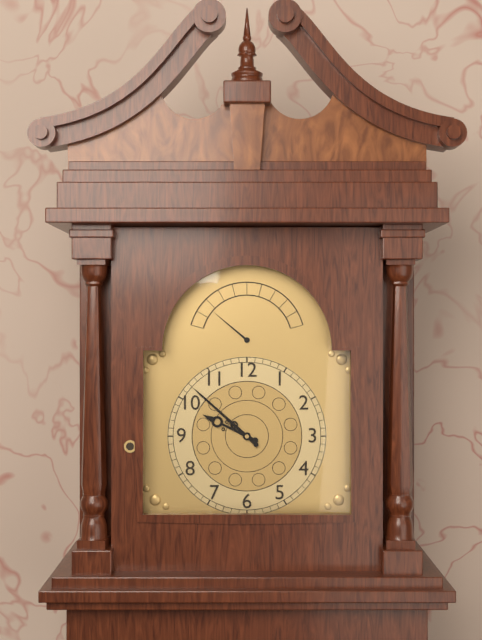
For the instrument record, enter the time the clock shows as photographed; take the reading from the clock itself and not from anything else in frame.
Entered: 9:52
